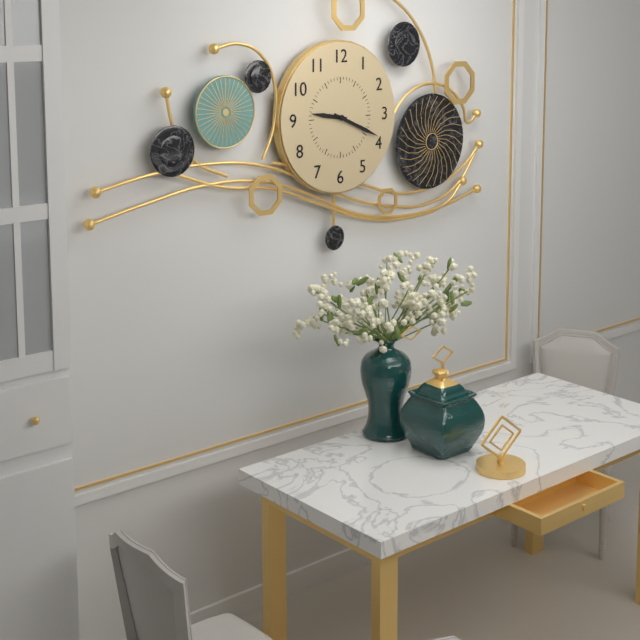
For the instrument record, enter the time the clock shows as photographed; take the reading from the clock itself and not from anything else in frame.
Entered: 9:19
